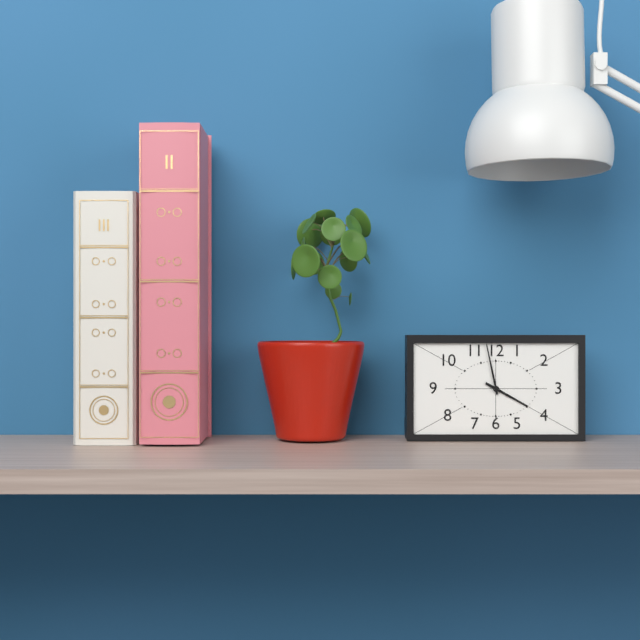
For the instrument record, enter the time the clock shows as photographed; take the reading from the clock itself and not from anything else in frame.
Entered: 3:58
